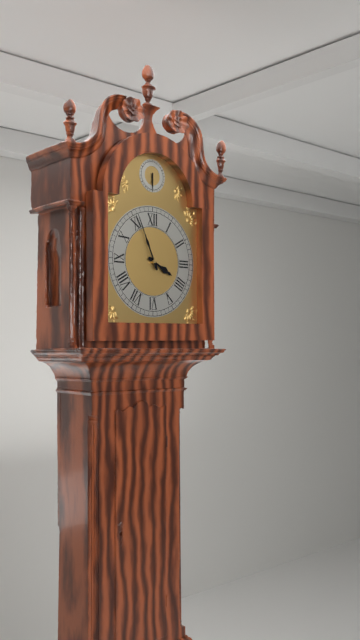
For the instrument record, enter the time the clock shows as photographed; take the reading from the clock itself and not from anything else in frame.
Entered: 3:56
